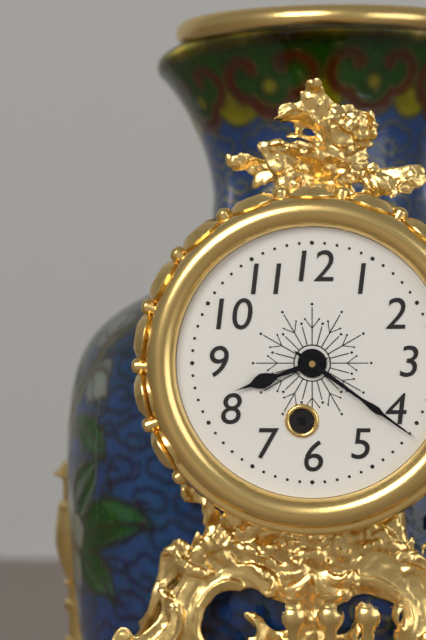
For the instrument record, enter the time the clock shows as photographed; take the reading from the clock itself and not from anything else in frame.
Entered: 8:21
